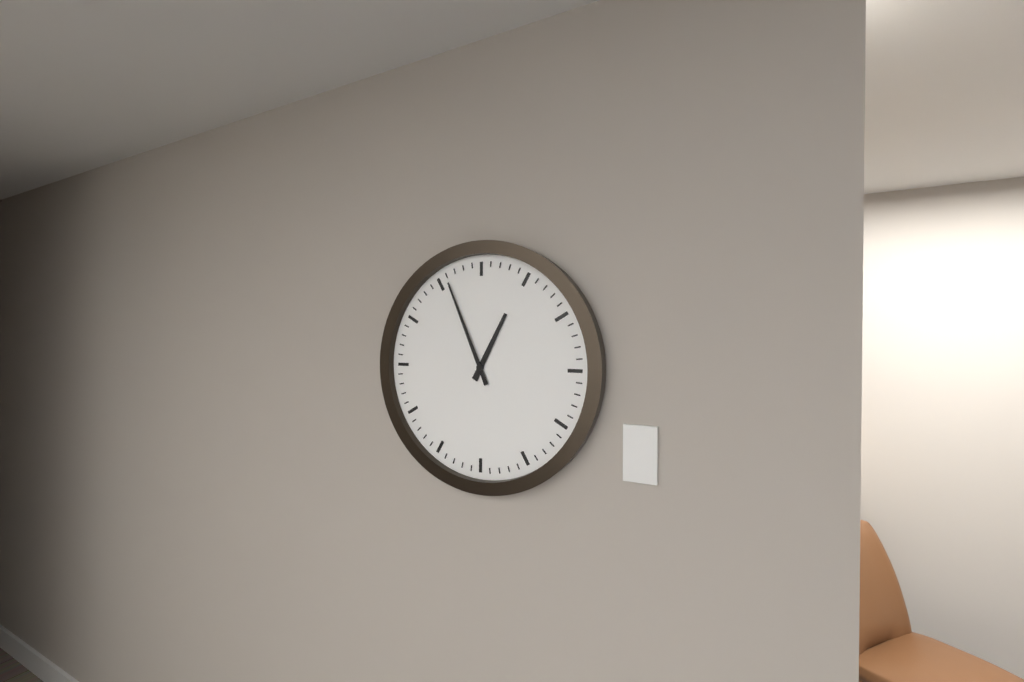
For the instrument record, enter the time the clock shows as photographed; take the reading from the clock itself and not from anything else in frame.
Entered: 12:56
